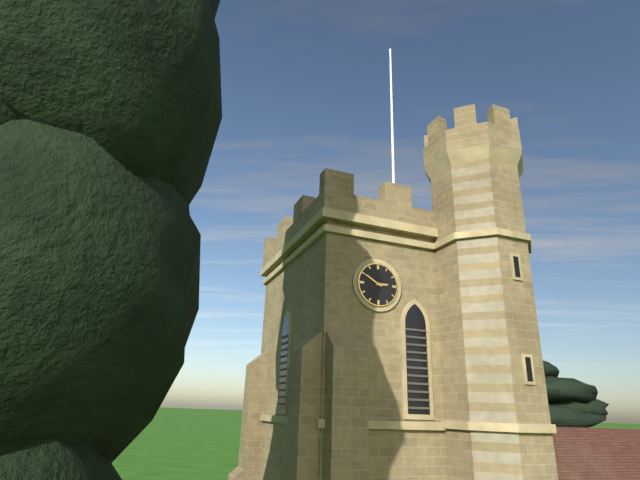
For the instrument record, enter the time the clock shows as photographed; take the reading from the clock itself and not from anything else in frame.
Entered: 2:50
